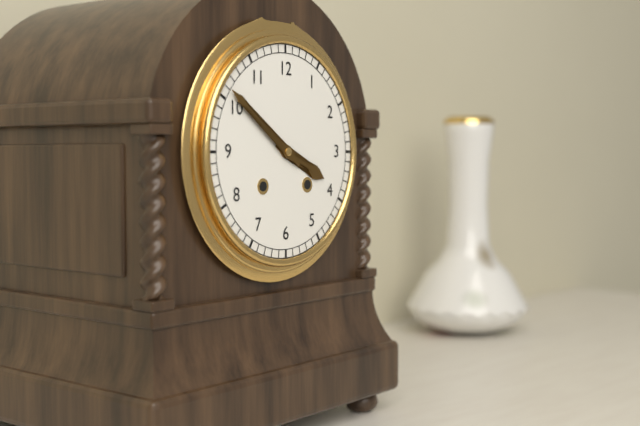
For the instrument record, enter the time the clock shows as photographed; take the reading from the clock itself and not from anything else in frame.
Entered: 3:51
